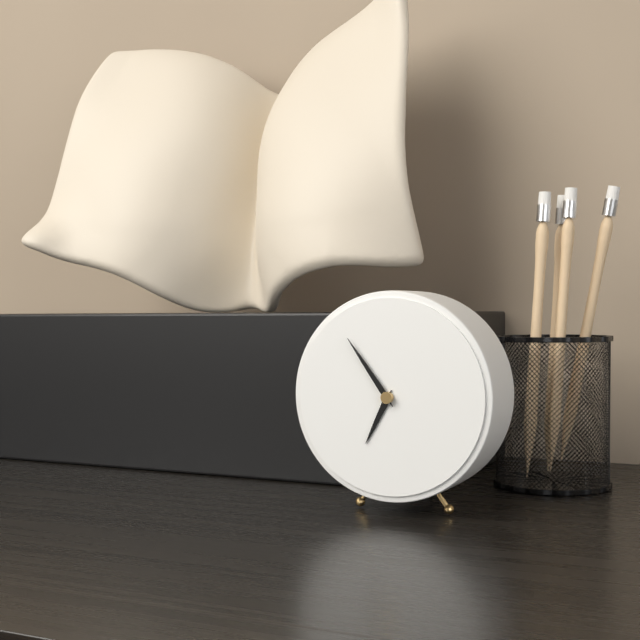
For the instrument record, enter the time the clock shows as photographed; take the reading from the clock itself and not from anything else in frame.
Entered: 6:54
